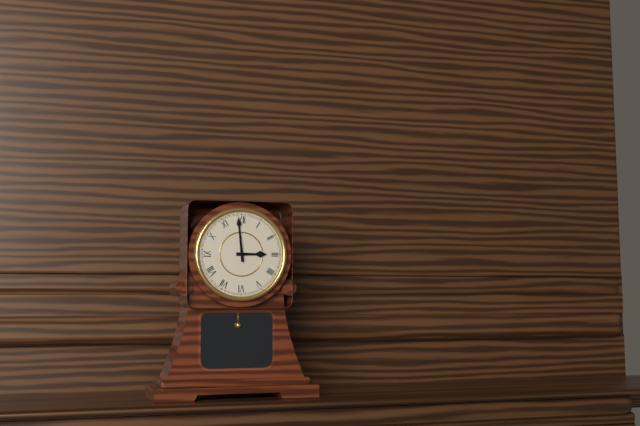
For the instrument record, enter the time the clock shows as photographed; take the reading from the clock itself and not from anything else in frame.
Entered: 2:59
